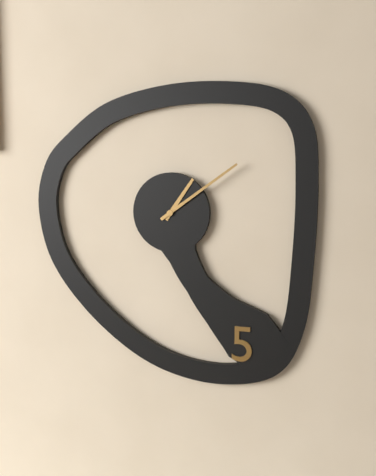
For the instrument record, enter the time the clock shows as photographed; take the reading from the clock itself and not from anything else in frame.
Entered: 1:09
